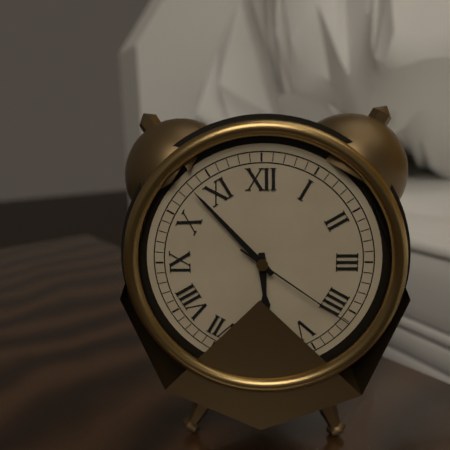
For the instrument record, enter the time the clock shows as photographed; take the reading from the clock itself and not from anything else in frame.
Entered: 5:53:21
